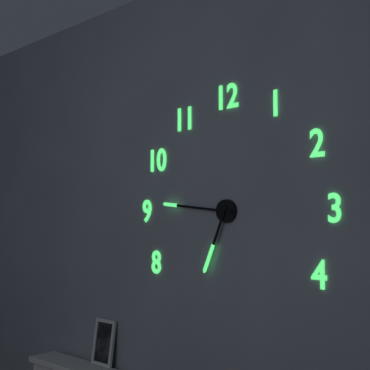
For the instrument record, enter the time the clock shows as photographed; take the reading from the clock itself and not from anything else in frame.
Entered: 6:46
